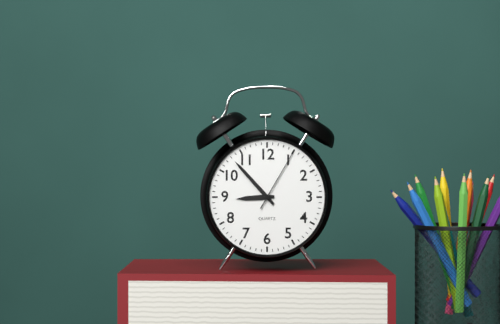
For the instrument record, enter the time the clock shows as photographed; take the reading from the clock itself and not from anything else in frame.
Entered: 8:53:05
